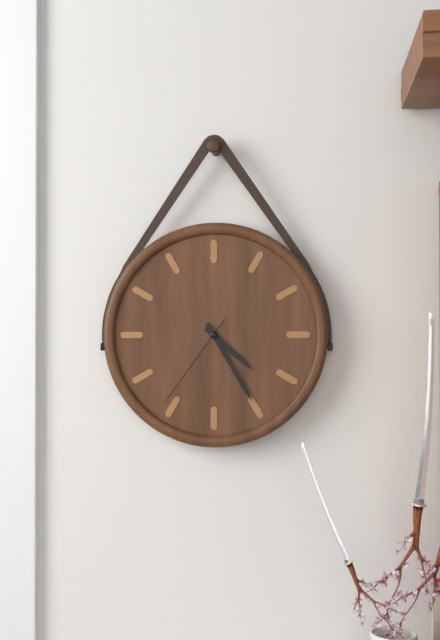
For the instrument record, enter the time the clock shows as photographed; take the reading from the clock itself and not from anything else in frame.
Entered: 4:25:36
